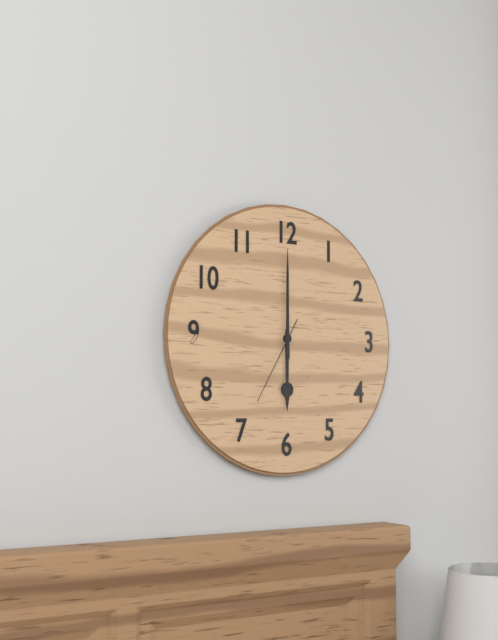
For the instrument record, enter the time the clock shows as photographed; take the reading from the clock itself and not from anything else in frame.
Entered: 6:00:35
